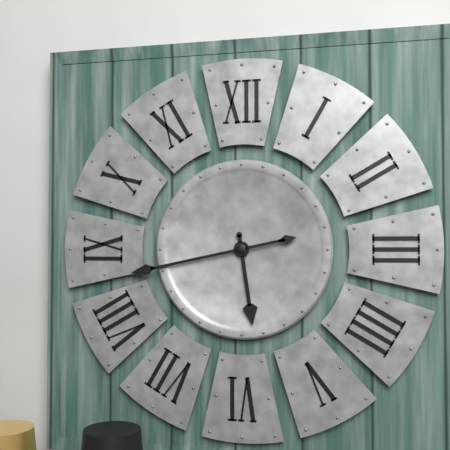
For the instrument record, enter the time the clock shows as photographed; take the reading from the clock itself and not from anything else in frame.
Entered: 5:43
